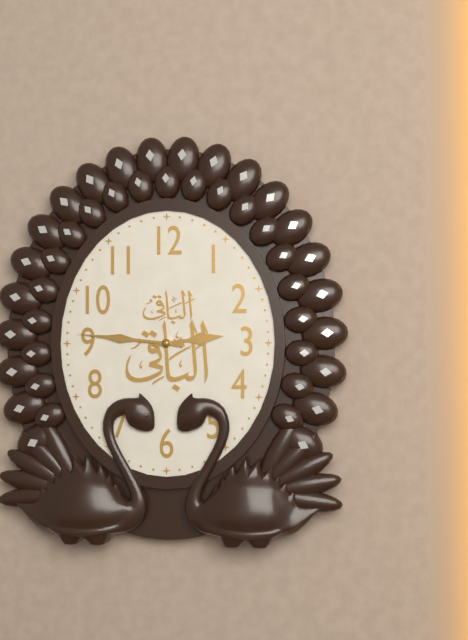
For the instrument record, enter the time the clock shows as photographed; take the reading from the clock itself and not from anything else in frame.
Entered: 2:46
